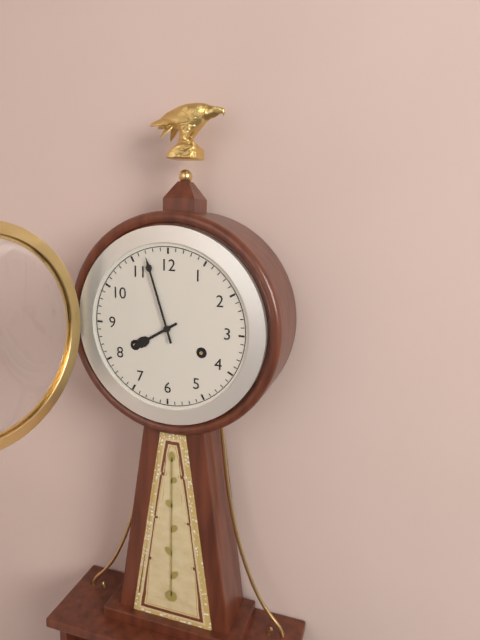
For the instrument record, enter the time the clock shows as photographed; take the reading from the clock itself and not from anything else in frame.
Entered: 7:57
